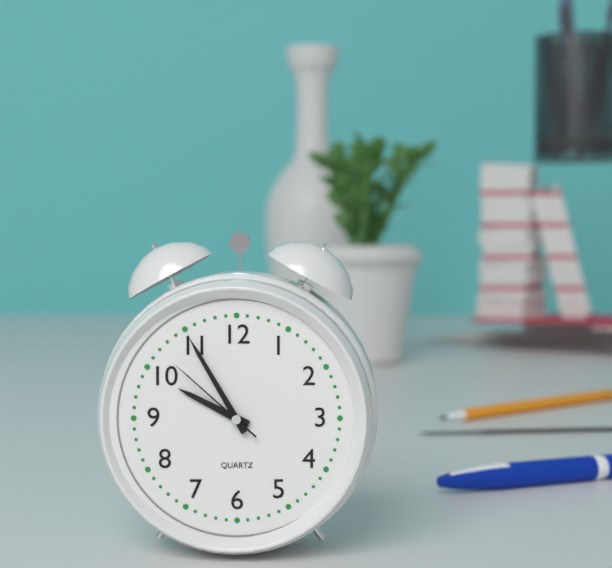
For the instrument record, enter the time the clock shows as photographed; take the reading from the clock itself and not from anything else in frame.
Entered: 9:55:52
